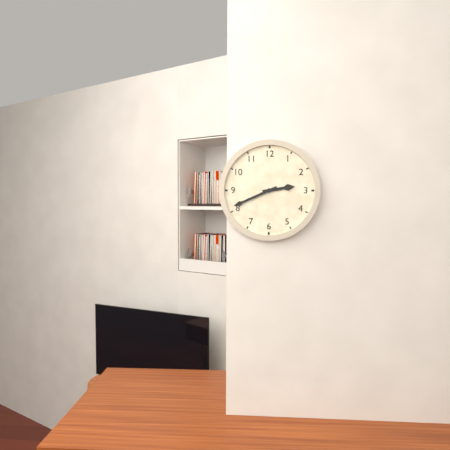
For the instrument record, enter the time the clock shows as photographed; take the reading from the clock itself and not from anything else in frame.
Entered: 2:41
